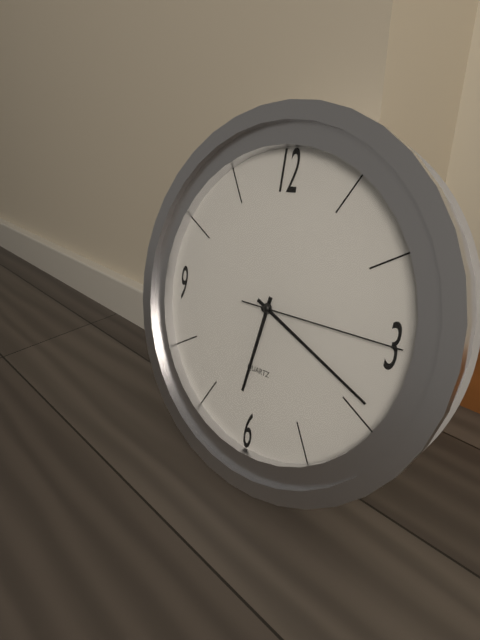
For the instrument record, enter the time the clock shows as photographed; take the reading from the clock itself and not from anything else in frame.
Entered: 6:19:15
